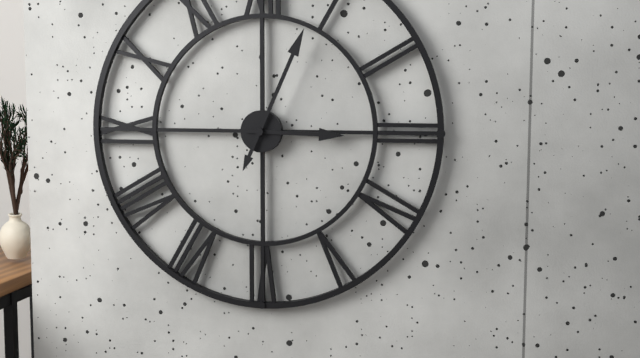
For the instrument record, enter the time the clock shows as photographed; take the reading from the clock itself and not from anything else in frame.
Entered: 3:04
